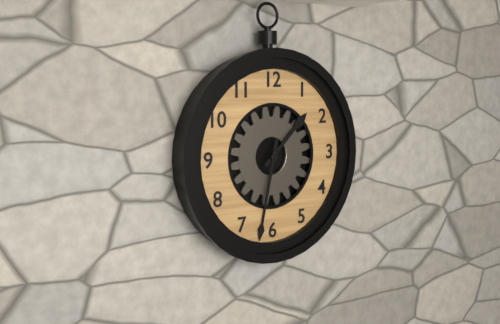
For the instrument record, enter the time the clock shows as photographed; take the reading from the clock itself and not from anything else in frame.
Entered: 1:32
